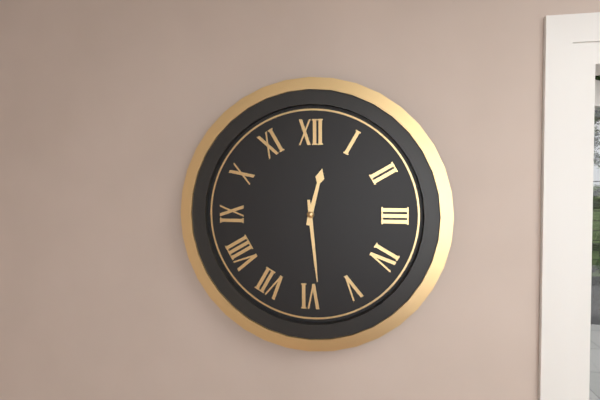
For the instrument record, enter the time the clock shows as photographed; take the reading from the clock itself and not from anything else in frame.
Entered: 12:29
